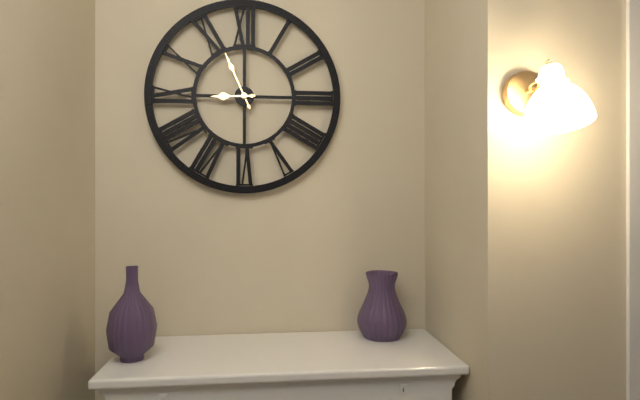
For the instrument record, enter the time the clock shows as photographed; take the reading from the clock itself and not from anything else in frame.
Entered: 8:56
